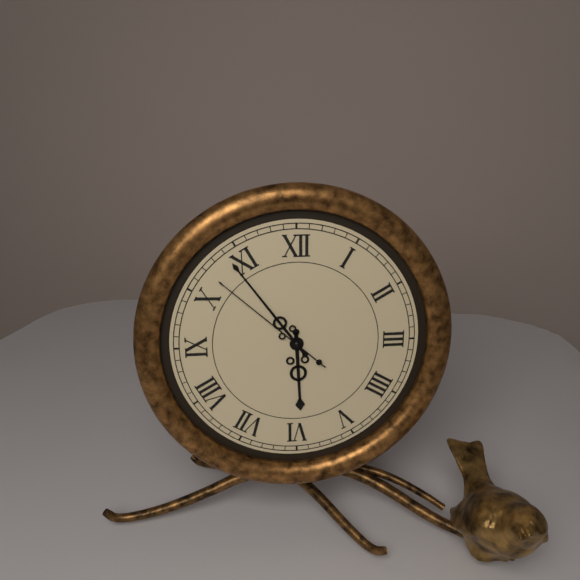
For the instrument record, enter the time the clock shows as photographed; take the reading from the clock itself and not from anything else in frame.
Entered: 5:54:52
